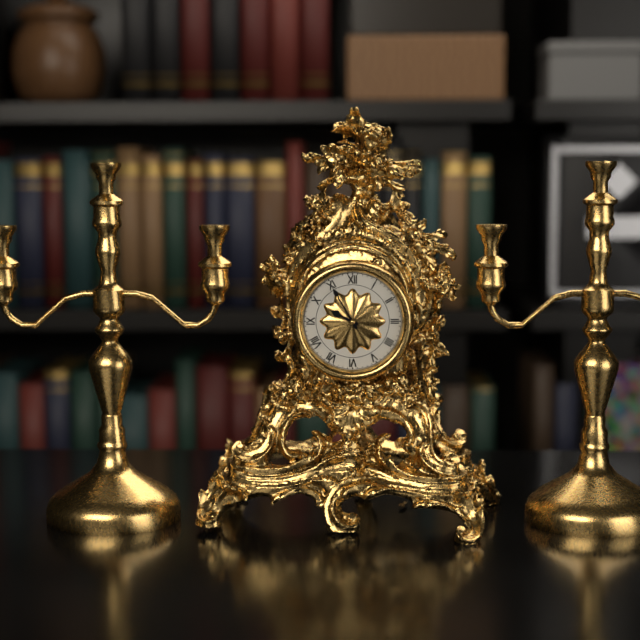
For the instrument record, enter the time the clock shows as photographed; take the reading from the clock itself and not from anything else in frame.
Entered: 9:55
